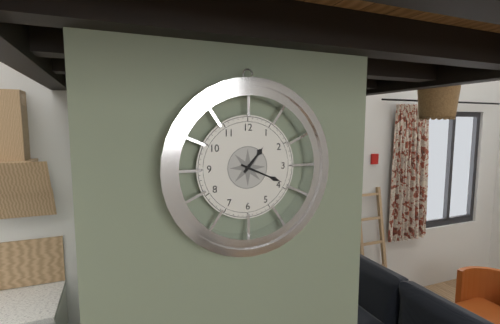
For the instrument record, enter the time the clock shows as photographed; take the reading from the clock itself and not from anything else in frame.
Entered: 1:19
